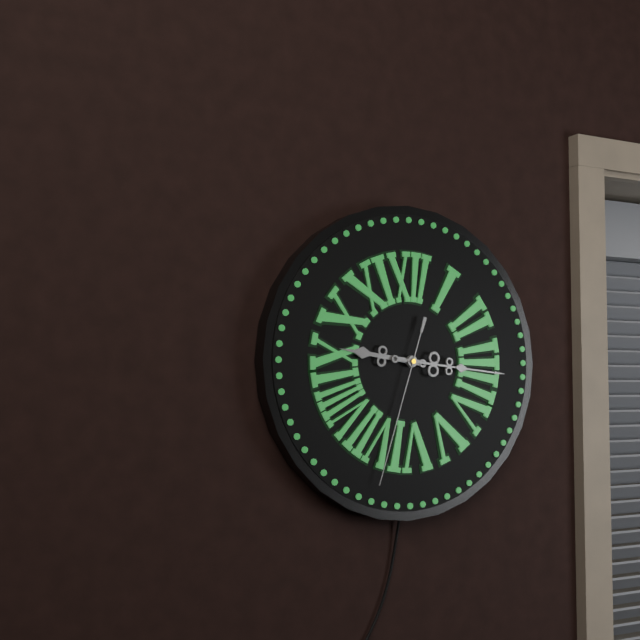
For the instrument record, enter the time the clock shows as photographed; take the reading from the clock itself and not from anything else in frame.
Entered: 9:16:33
